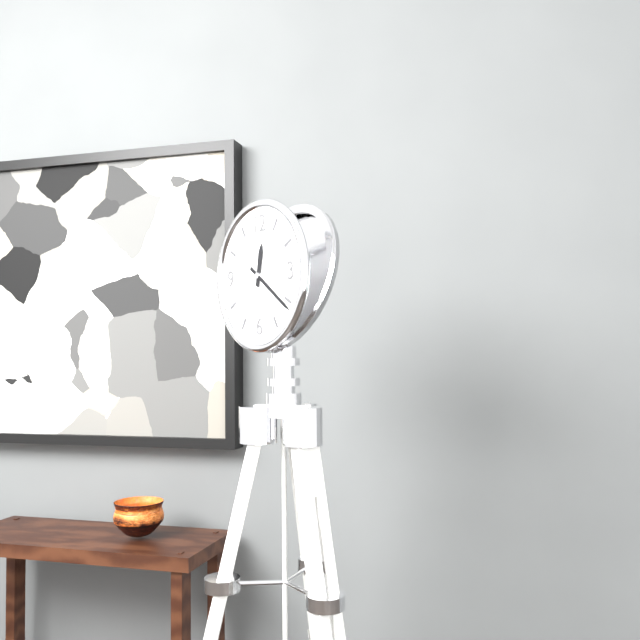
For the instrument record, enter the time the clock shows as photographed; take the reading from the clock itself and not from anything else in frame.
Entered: 12:21
